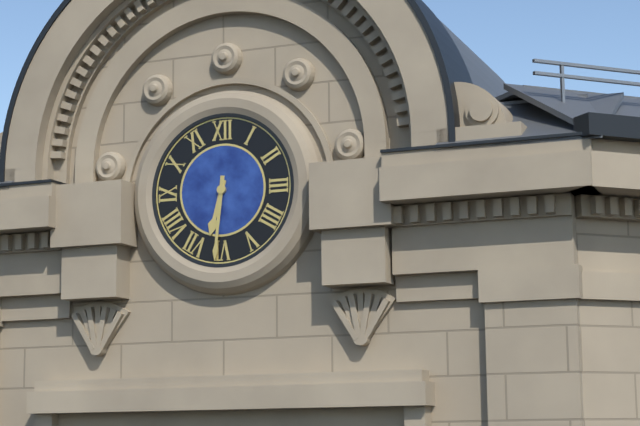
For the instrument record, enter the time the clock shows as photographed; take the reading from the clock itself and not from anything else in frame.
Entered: 6:31
